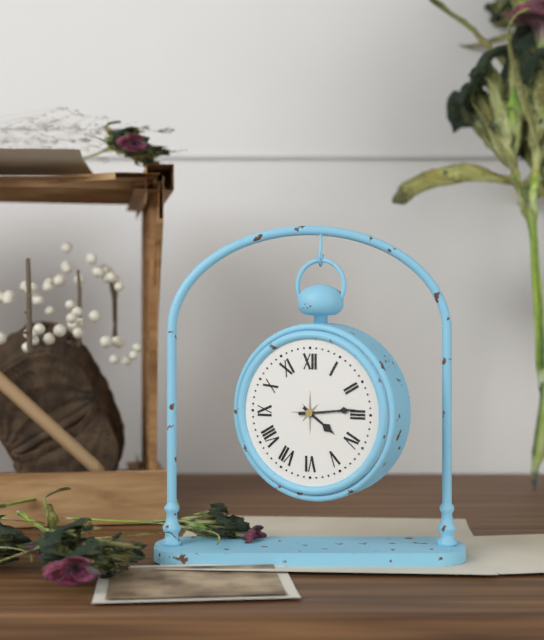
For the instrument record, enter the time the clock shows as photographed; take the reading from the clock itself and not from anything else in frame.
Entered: 4:14
